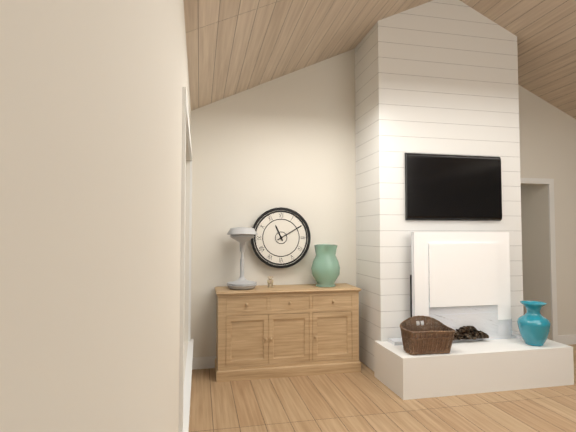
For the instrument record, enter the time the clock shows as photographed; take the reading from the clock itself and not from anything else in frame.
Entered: 11:10
